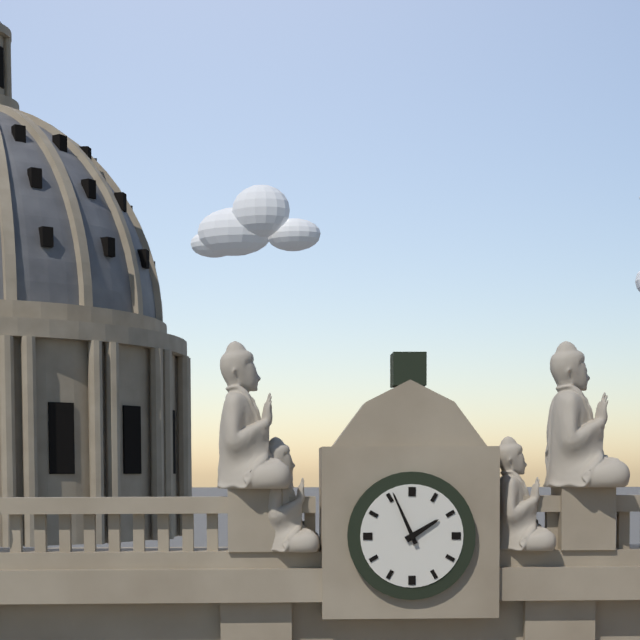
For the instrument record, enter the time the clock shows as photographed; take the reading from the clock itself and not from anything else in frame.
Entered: 1:56
